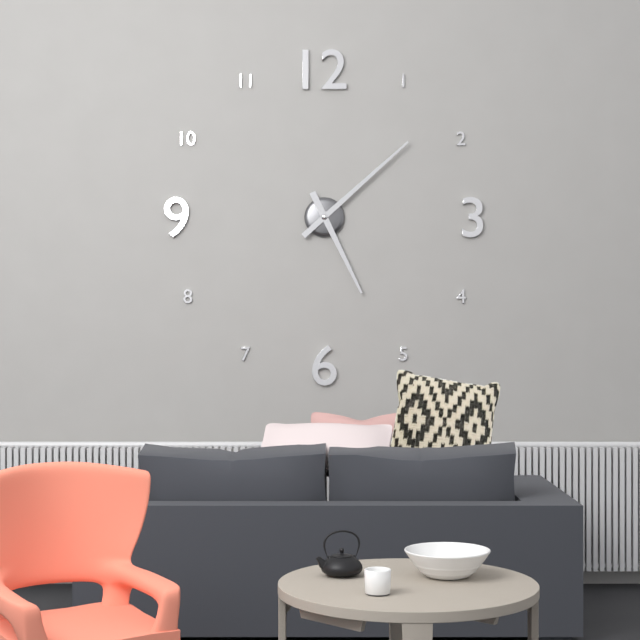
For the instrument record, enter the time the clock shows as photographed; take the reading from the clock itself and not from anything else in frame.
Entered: 5:08
